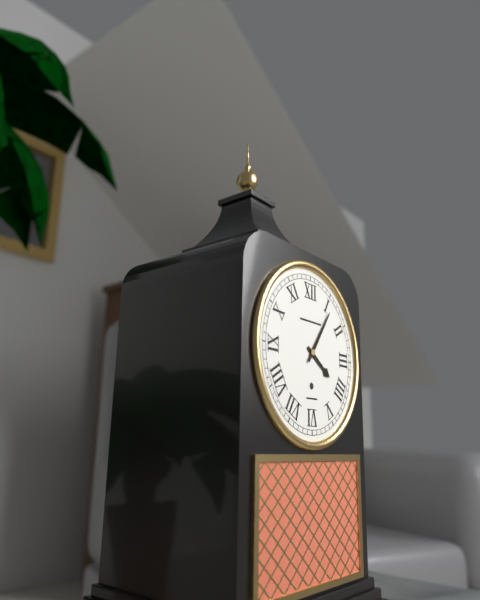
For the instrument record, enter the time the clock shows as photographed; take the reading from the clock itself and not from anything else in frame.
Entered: 4:06
